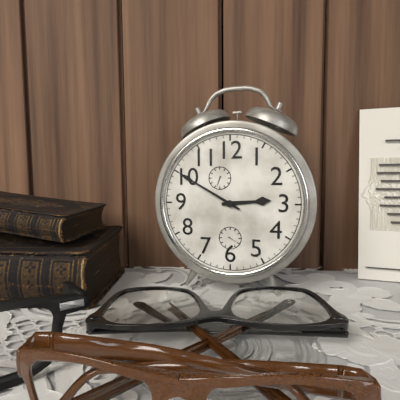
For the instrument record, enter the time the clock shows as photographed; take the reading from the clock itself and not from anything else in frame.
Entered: 2:50
